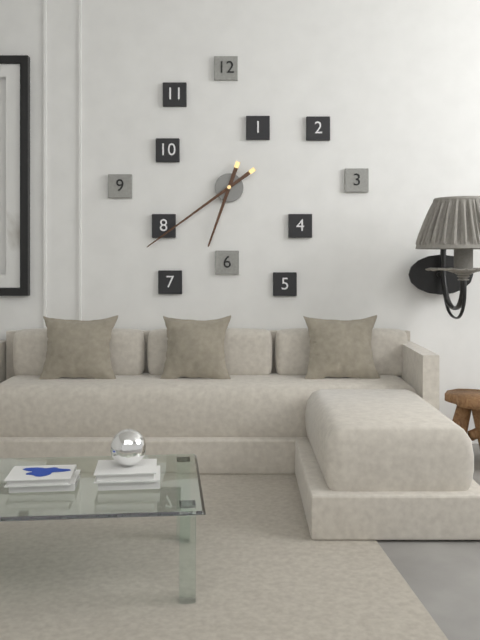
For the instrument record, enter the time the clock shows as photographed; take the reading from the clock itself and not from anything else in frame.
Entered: 6:39
